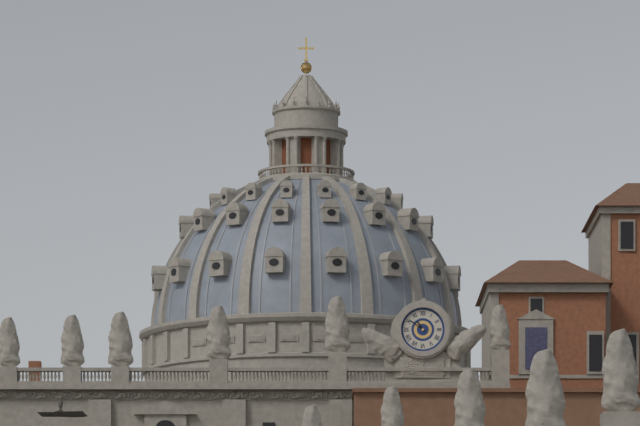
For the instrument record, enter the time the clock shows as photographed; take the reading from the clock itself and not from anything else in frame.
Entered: 10:51
